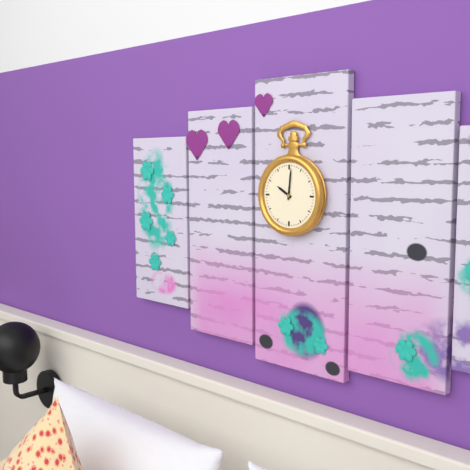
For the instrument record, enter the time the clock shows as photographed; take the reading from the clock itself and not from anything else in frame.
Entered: 10:01
